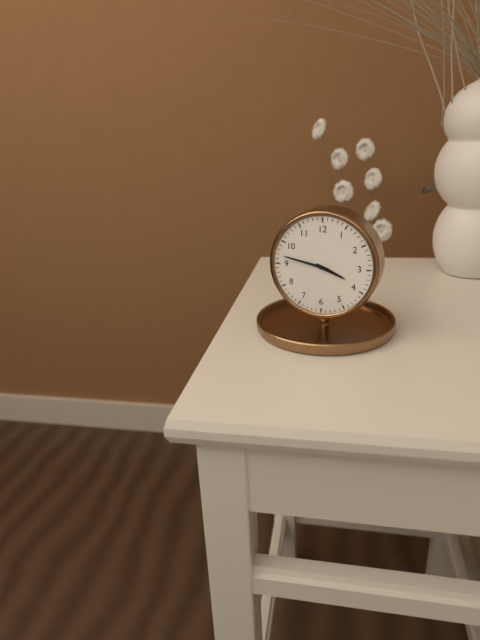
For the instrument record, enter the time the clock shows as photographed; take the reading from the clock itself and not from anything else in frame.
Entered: 3:47
